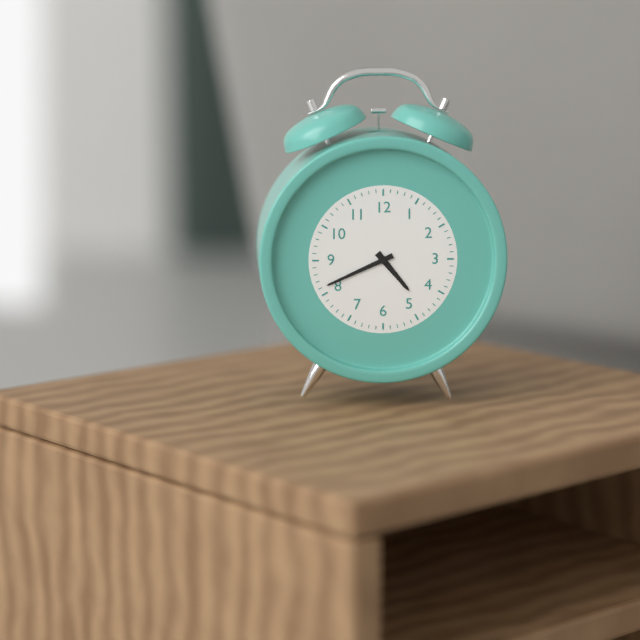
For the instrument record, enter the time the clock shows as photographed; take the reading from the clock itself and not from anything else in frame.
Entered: 4:41
